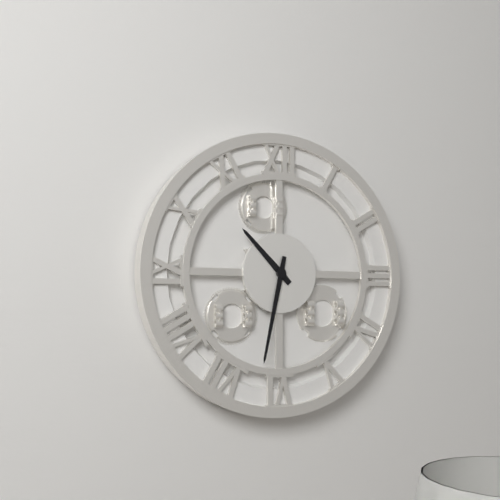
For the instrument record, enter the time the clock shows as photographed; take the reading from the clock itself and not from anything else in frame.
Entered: 10:32
